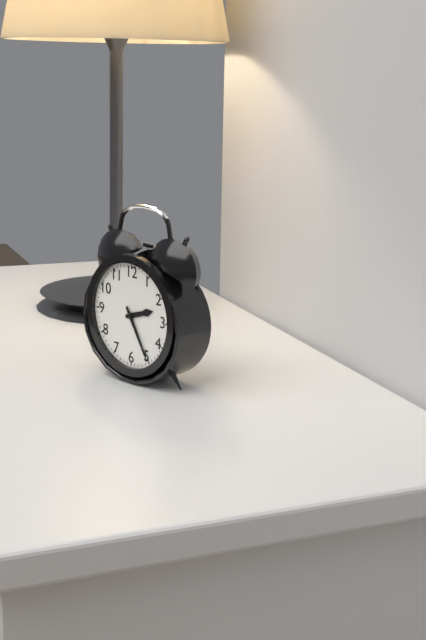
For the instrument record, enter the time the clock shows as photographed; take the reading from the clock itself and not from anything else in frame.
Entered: 2:25
